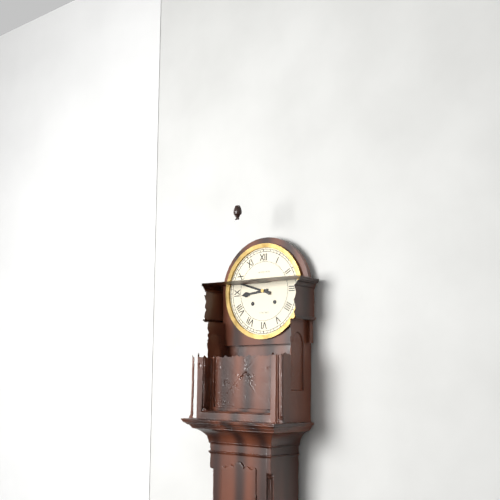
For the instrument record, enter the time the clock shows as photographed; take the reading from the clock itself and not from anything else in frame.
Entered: 8:48
